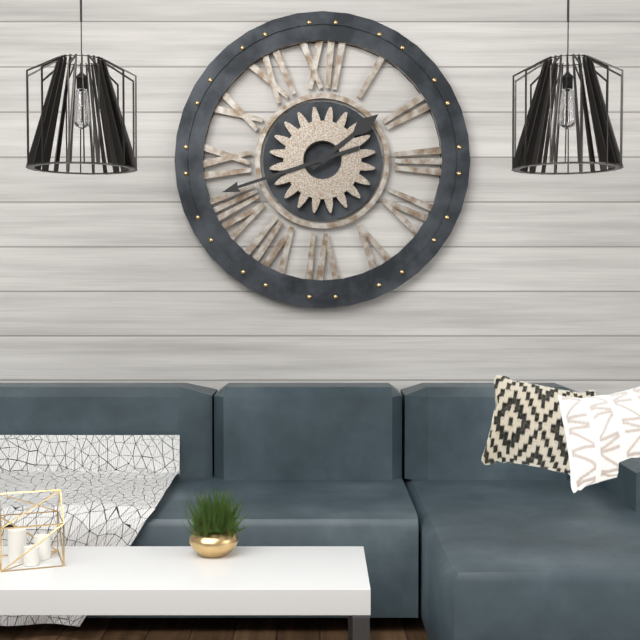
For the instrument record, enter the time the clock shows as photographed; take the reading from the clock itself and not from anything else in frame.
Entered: 1:42
